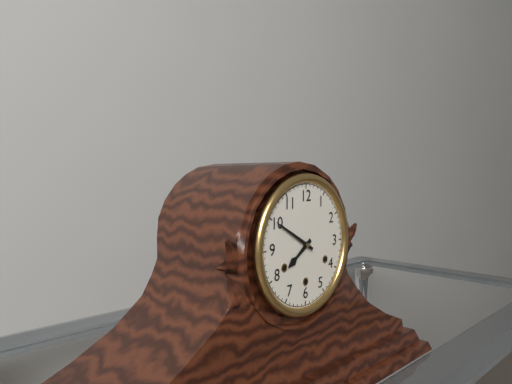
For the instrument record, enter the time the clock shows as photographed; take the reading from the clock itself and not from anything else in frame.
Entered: 7:50
